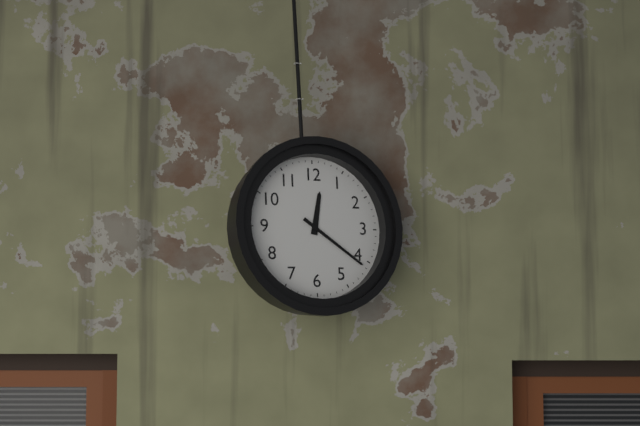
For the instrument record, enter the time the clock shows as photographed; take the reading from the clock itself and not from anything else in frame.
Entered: 12:21
